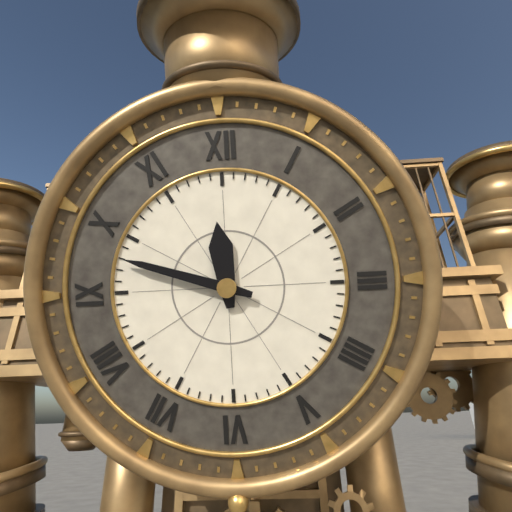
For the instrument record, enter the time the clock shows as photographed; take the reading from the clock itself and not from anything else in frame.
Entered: 11:48
